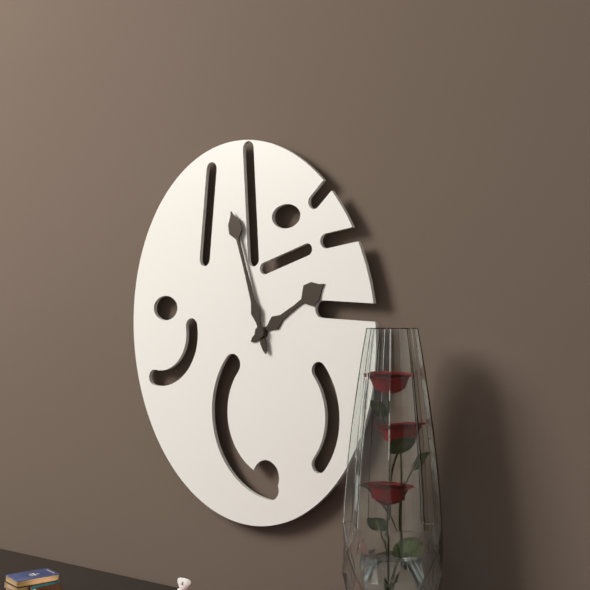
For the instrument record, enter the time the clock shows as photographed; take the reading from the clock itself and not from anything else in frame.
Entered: 1:57
